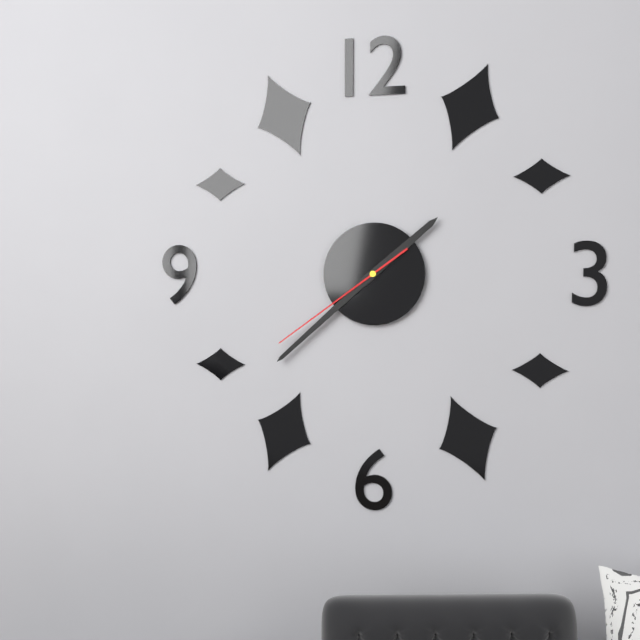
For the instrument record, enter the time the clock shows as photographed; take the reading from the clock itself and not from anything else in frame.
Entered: 1:38:39
